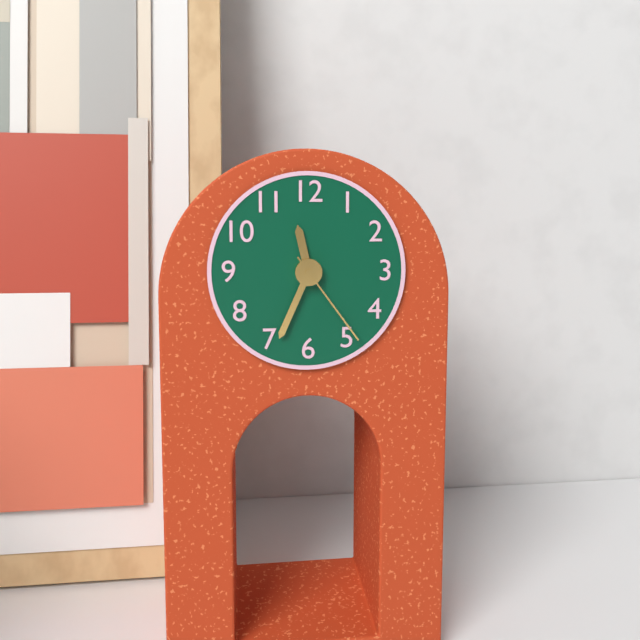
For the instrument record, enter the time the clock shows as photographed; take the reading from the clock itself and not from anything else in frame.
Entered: 11:34:24
